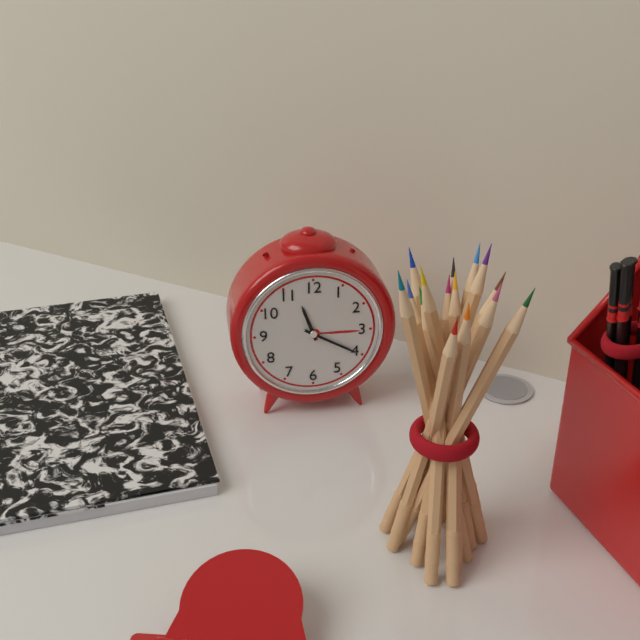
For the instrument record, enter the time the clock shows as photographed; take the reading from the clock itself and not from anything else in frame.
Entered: 11:20
